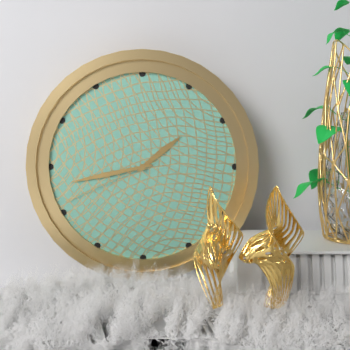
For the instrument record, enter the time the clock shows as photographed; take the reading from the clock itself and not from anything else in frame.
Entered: 1:43:41
